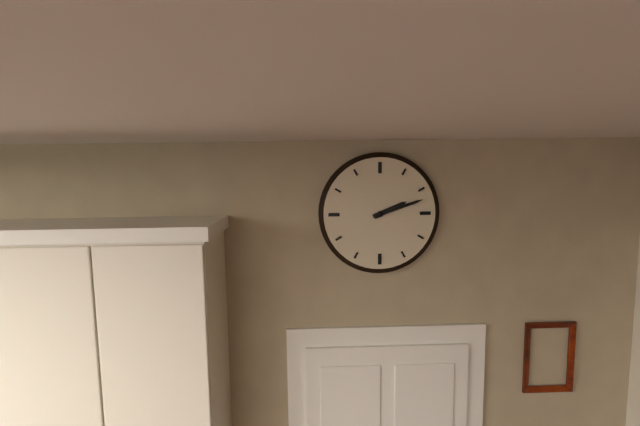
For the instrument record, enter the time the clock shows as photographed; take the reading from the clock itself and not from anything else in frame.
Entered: 2:12
